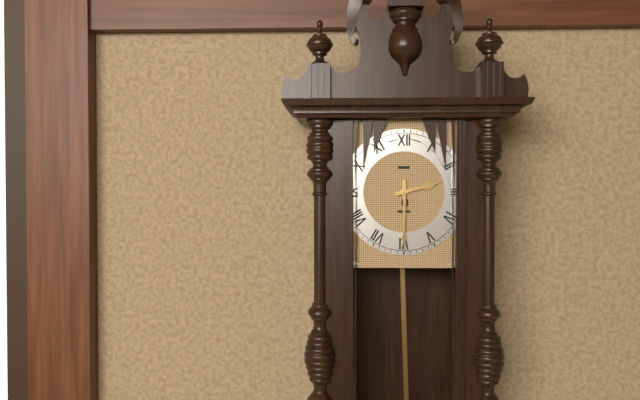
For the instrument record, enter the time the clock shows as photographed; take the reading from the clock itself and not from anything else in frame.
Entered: 2:30
